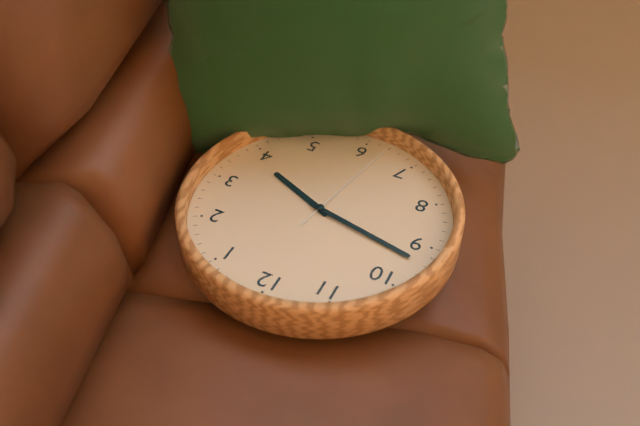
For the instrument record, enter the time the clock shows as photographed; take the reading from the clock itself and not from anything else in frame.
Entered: 3:47:32
